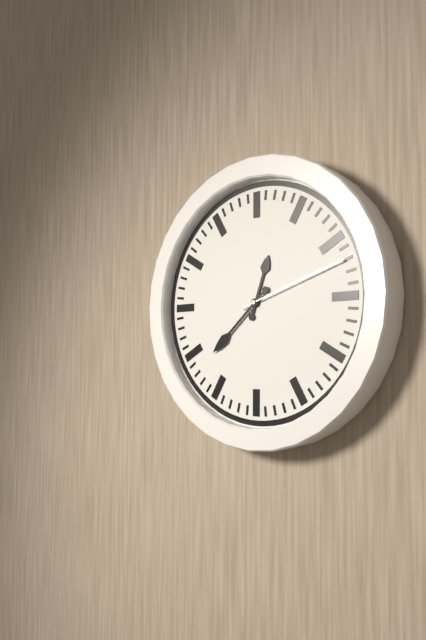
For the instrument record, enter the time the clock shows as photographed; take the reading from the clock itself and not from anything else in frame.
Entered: 12:38:12
